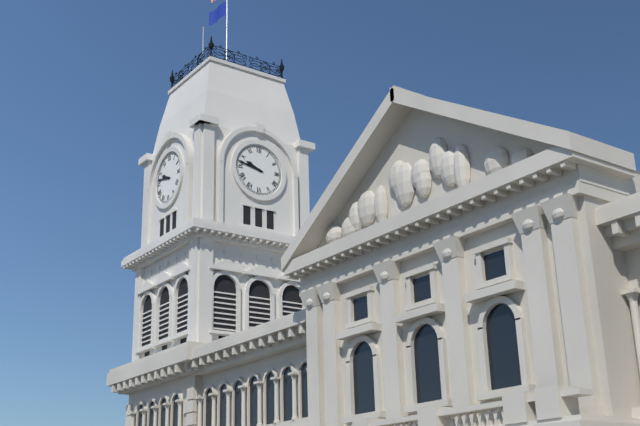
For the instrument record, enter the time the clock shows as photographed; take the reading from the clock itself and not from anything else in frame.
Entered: 9:47
